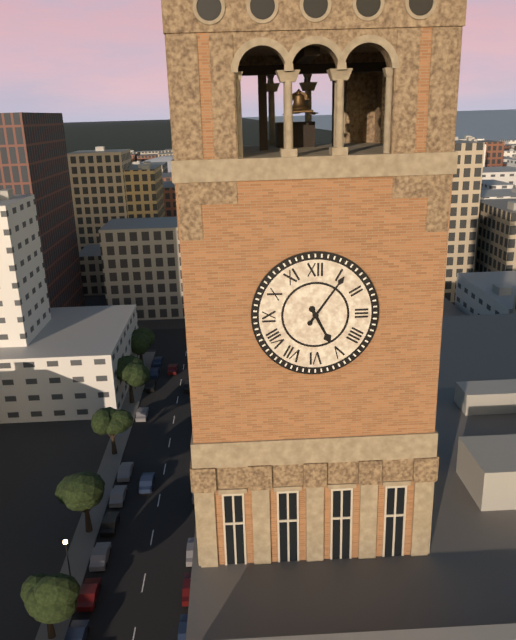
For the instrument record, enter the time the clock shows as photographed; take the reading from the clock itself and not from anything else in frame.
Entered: 5:06
